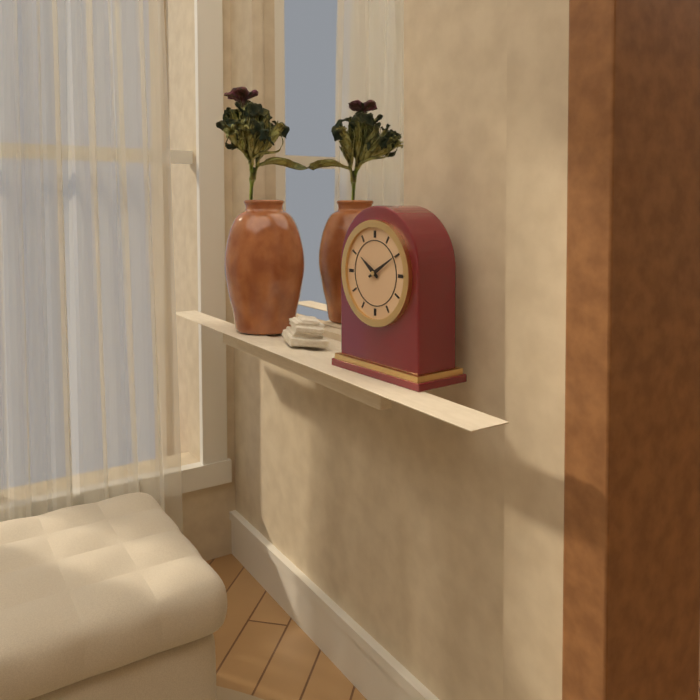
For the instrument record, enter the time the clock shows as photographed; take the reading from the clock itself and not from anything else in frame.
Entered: 10:10
